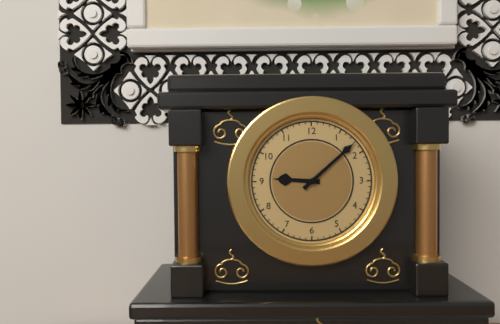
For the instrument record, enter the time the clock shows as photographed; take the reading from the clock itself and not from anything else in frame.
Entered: 9:08
